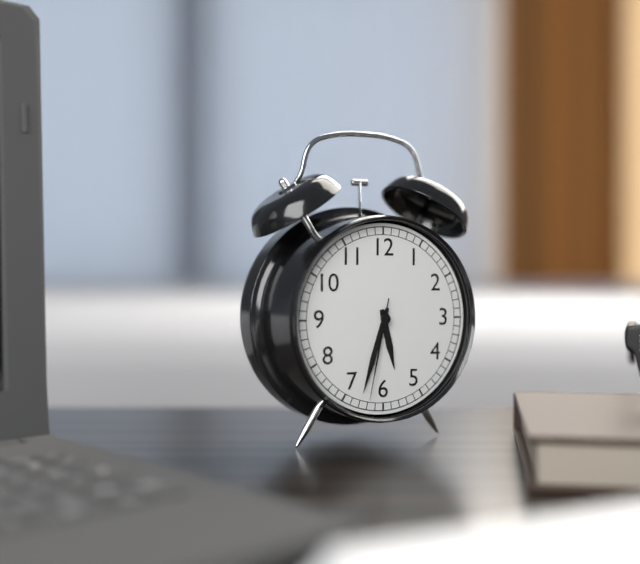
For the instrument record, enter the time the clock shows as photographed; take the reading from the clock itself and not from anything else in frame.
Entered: 5:33:32
